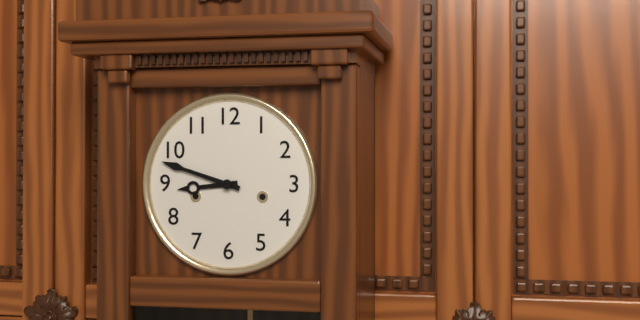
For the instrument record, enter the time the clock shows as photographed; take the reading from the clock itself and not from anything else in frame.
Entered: 8:48
